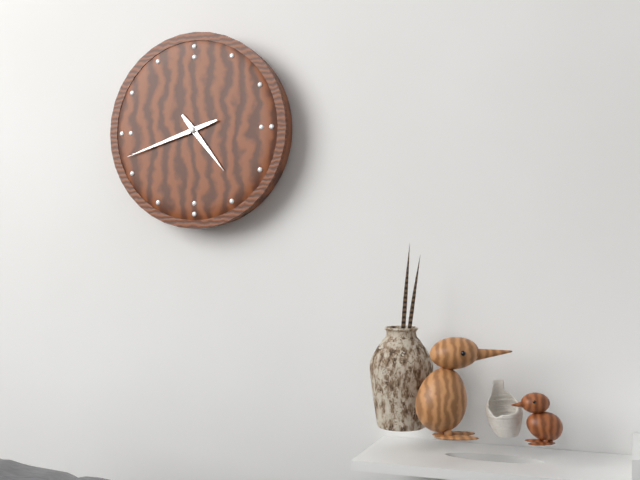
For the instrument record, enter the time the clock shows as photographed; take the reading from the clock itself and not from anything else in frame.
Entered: 4:42
